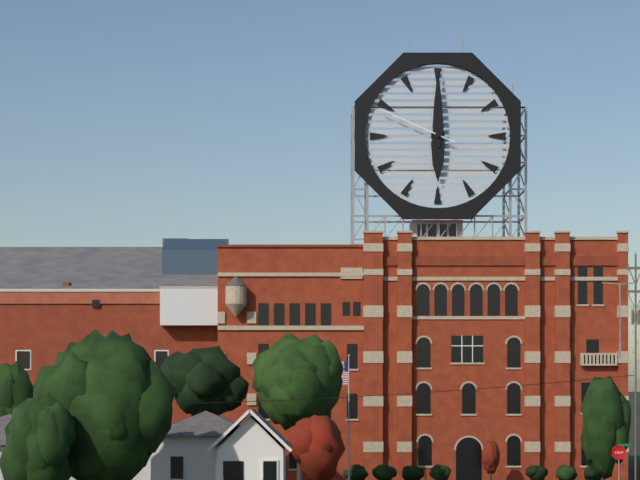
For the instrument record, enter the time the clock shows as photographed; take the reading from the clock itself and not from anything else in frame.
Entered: 6:00:49
